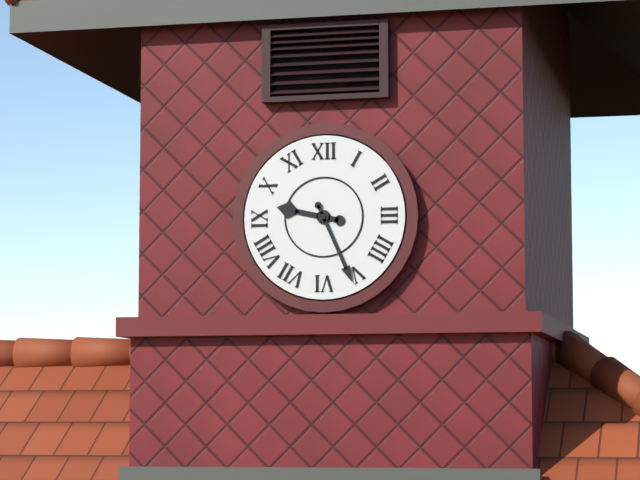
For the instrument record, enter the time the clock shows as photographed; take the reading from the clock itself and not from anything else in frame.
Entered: 9:26
